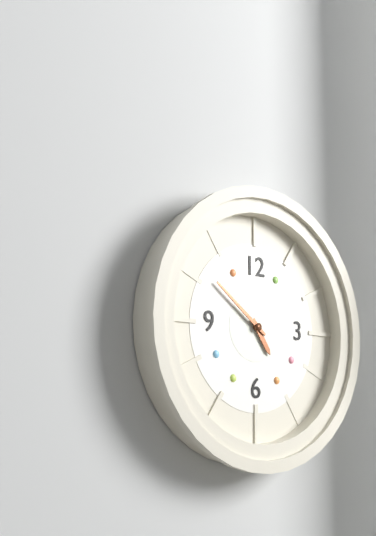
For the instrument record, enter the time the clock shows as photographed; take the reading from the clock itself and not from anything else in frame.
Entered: 4:51
